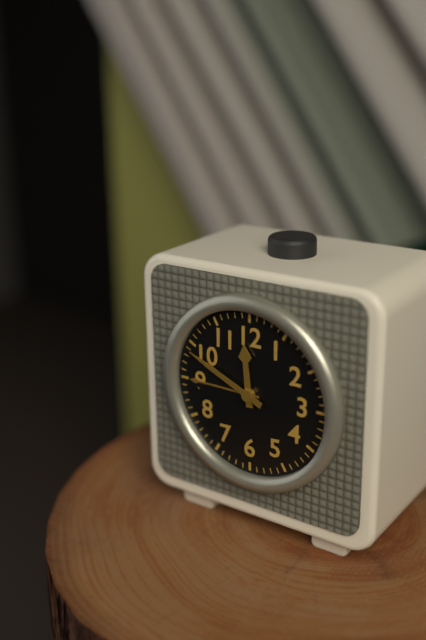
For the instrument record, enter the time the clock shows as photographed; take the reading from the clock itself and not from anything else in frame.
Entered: 11:49
